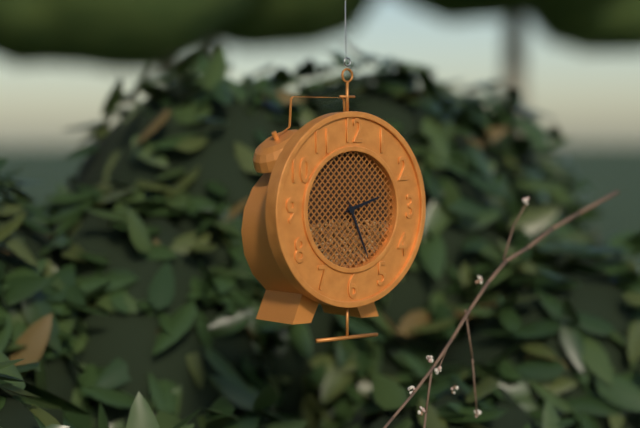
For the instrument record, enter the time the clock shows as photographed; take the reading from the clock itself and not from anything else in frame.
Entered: 2:26
